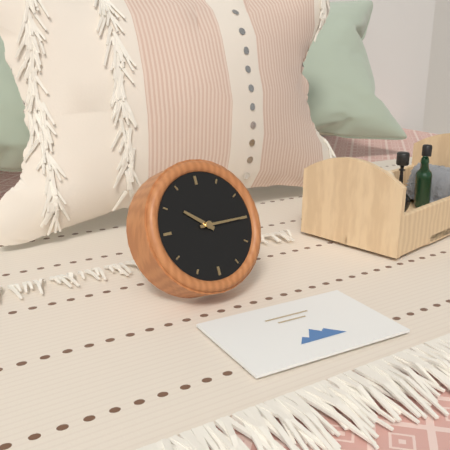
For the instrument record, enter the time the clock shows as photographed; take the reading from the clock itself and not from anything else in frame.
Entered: 10:15
